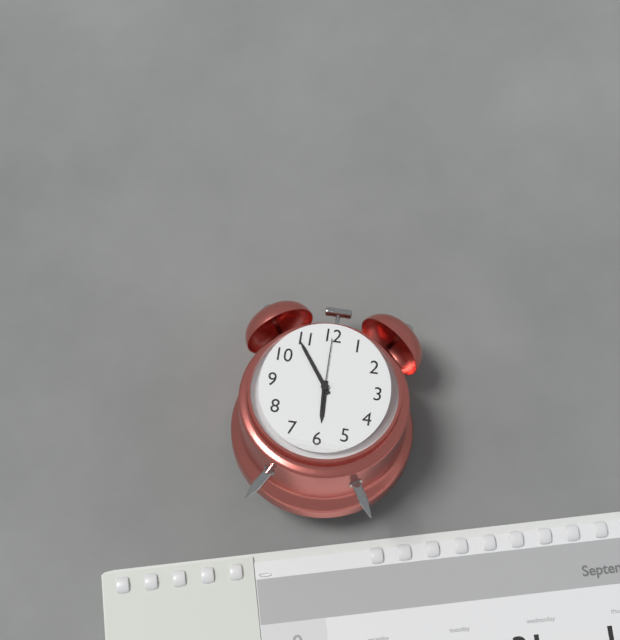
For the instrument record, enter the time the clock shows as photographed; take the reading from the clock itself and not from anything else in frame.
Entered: 5:54:00
